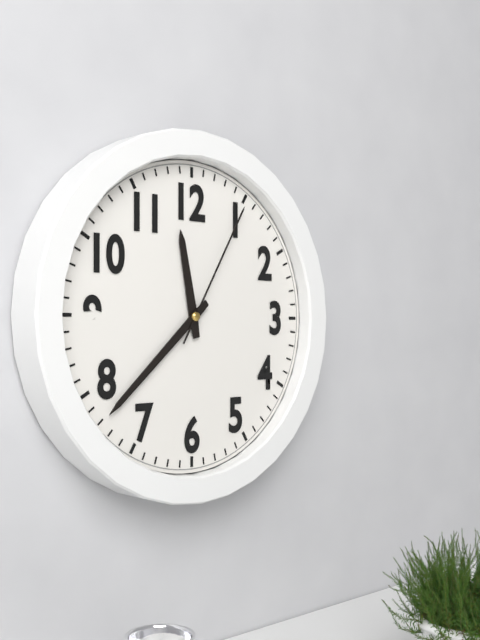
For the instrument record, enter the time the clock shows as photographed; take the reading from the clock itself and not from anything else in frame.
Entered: 11:38:05
